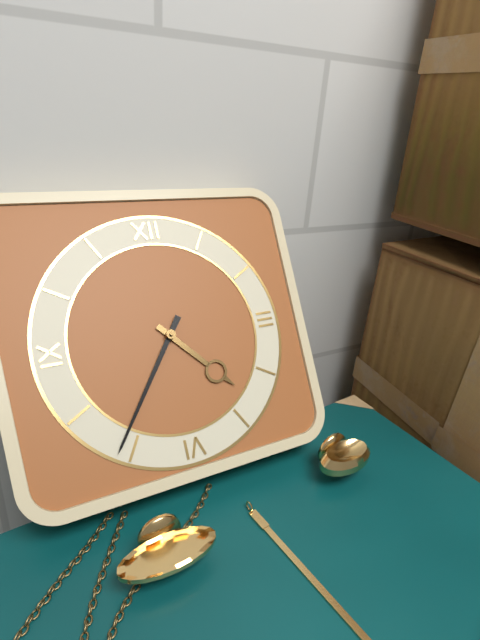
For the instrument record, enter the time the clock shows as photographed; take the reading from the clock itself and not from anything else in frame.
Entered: 4:36
